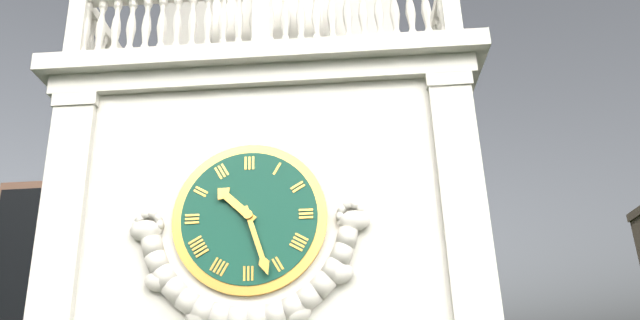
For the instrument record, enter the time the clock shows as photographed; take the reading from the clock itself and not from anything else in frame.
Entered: 10:27
